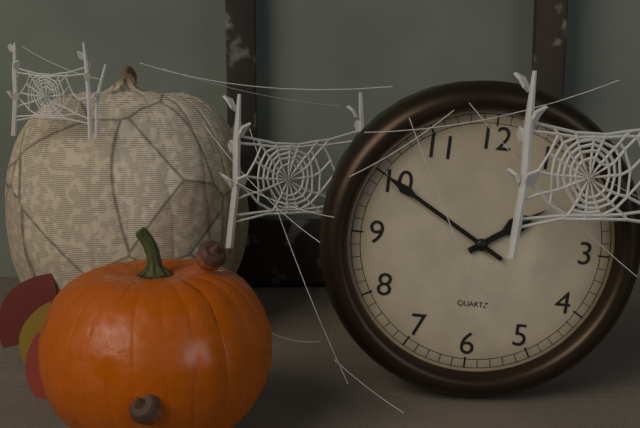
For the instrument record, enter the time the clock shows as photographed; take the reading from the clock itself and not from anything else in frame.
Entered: 1:50
